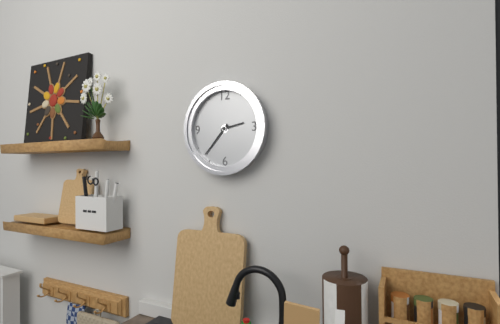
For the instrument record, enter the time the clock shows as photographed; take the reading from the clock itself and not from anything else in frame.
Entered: 2:37
